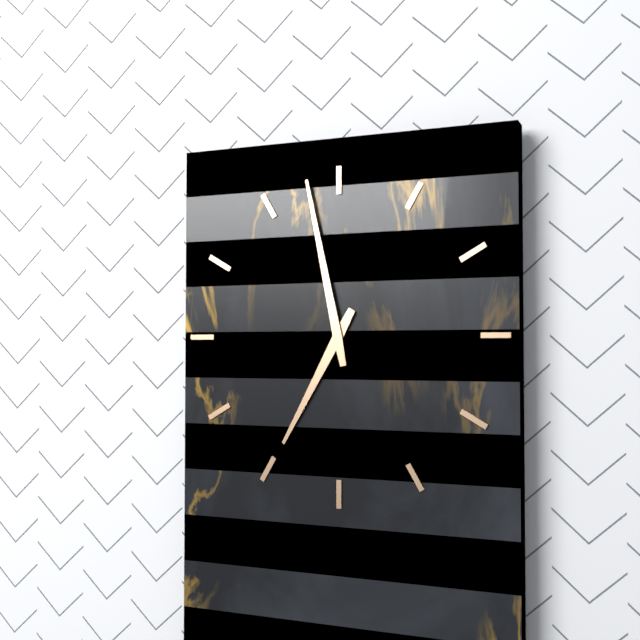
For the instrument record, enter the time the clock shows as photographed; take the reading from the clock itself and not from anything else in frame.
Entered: 6:58
